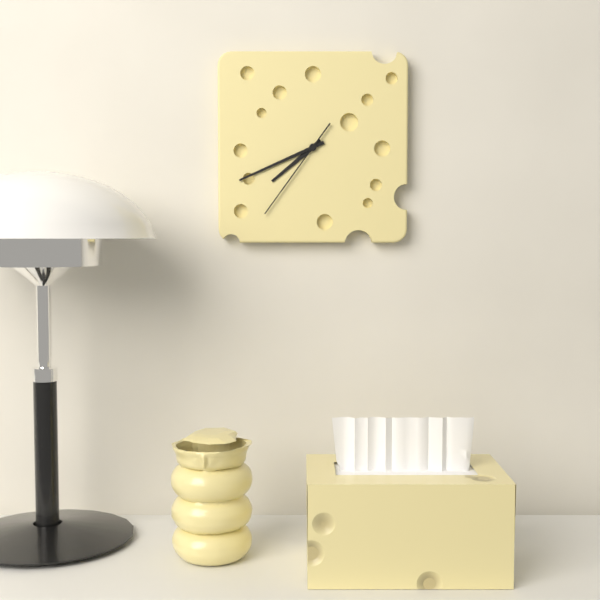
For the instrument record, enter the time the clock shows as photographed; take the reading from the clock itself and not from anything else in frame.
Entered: 7:41:36
